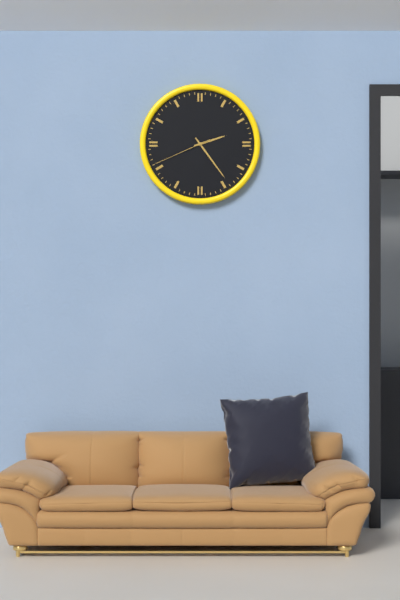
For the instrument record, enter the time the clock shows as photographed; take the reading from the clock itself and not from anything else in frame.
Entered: 2:24:41
